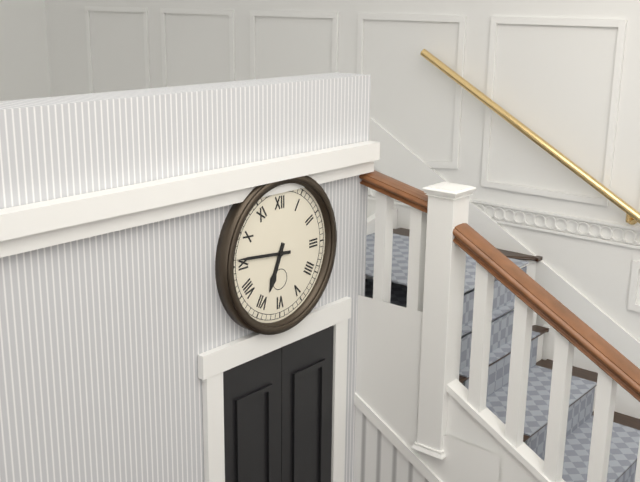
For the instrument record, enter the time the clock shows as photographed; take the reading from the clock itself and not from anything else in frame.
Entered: 6:46
